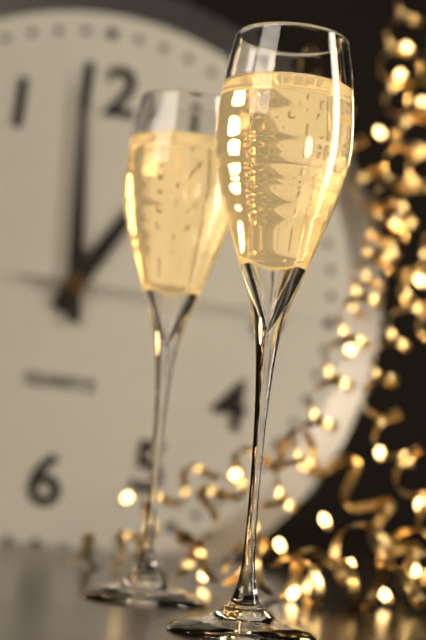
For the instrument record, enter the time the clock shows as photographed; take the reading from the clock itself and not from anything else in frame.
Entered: 12:59:15
